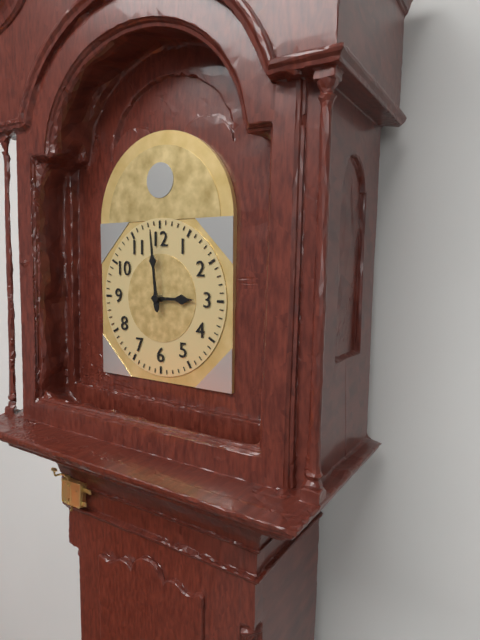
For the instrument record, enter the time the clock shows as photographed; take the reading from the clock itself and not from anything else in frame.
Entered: 2:59
